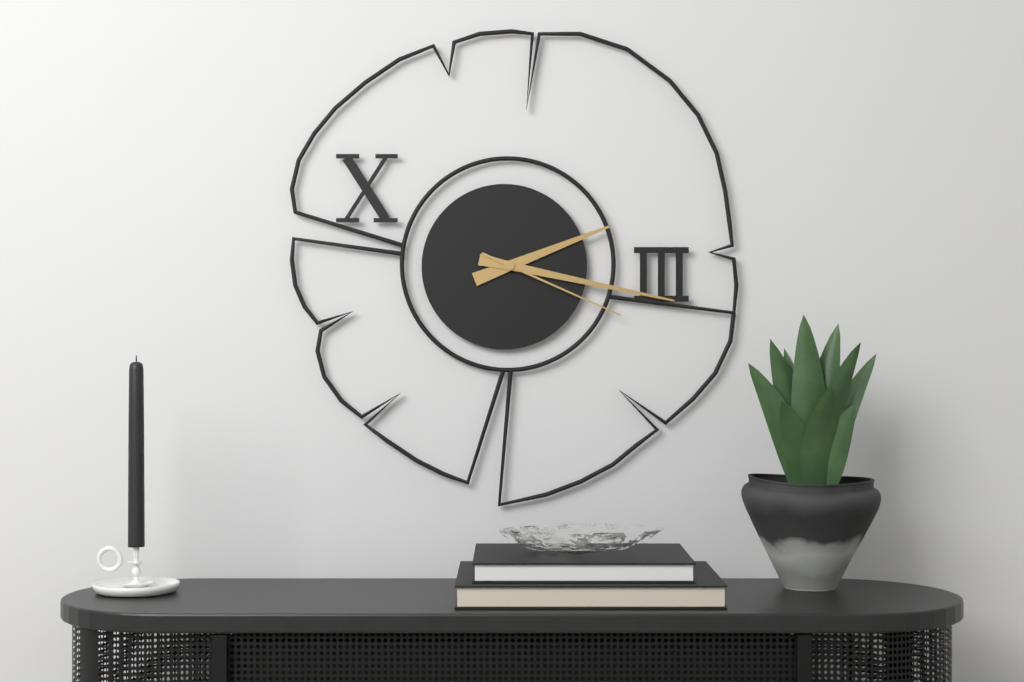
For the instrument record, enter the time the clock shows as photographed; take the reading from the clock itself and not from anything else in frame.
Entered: 2:17:19
